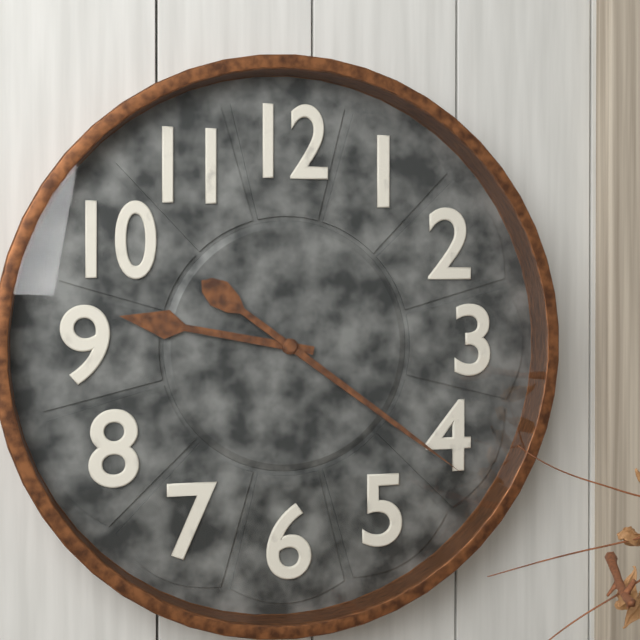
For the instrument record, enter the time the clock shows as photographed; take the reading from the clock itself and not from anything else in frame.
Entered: 9:21
